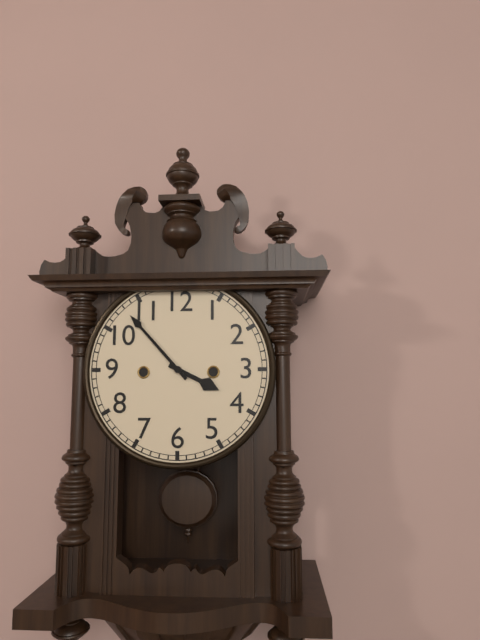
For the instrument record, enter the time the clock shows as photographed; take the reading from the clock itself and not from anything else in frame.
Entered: 3:53
